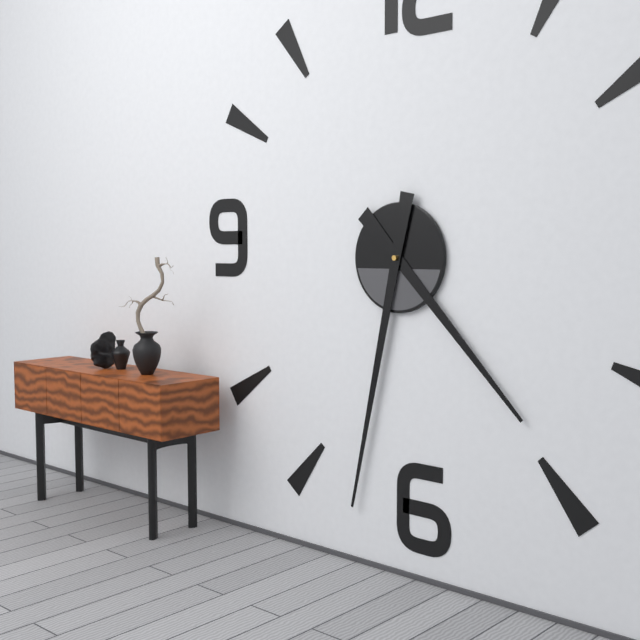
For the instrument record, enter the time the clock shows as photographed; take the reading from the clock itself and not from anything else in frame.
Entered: 4:32
